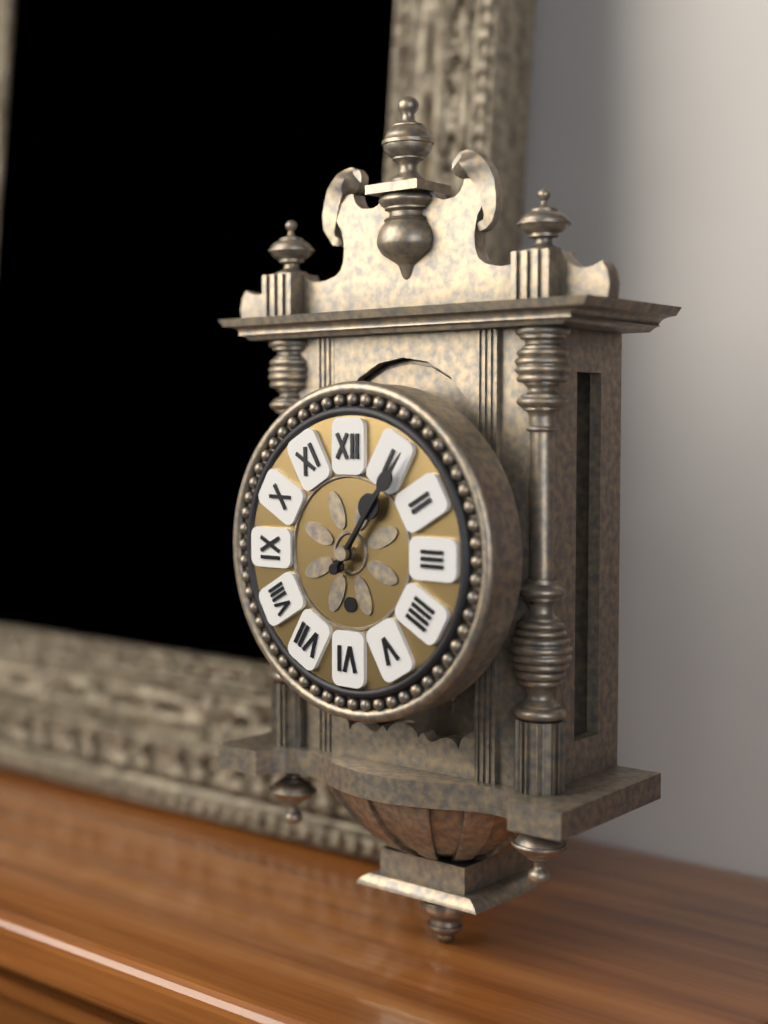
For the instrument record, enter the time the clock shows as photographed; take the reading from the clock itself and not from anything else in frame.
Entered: 1:06
